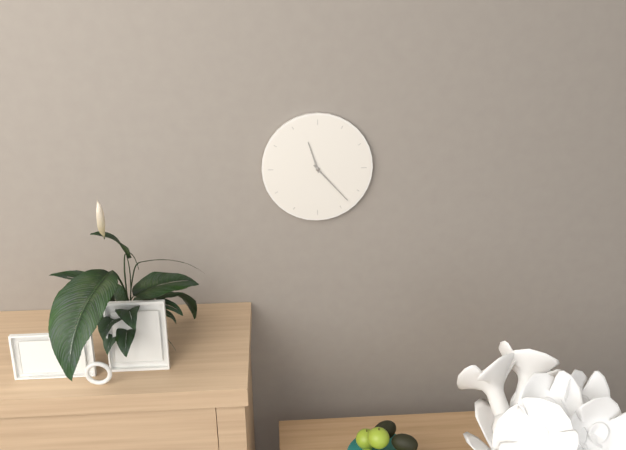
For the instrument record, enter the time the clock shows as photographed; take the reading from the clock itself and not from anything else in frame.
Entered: 11:23
